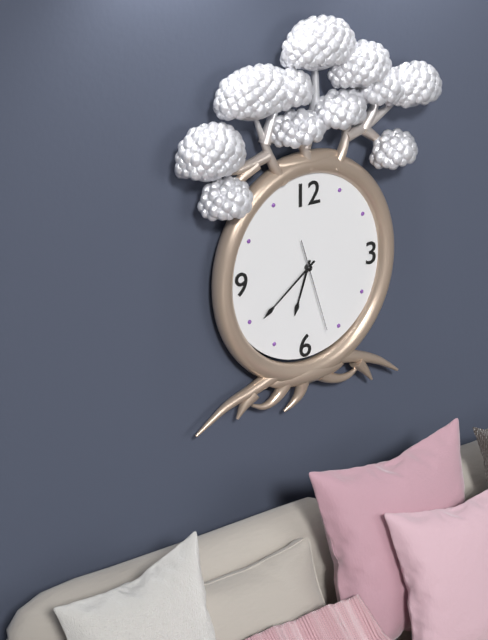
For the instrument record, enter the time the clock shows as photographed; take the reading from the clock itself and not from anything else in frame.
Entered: 6:39:27
